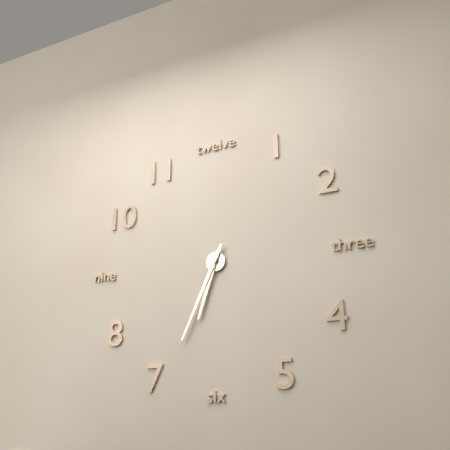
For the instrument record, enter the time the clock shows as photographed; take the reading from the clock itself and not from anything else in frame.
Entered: 6:34
